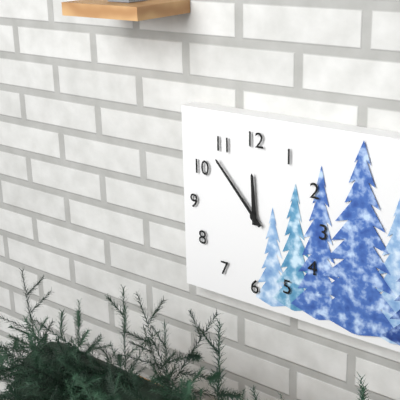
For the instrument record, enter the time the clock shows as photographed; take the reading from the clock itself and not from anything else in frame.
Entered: 11:53
